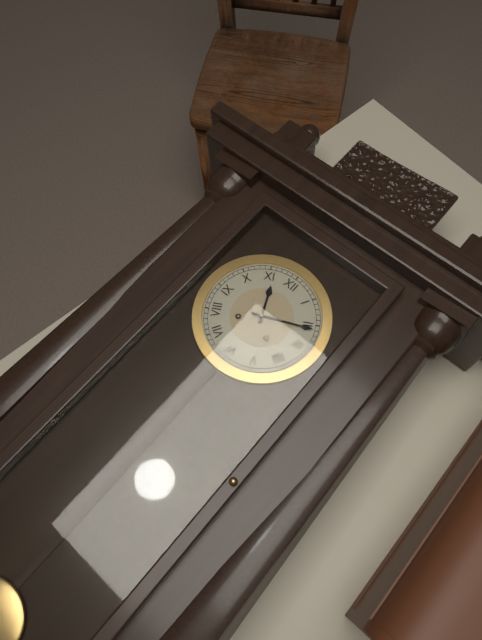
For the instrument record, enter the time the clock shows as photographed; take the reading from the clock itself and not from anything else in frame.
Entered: 11:11
